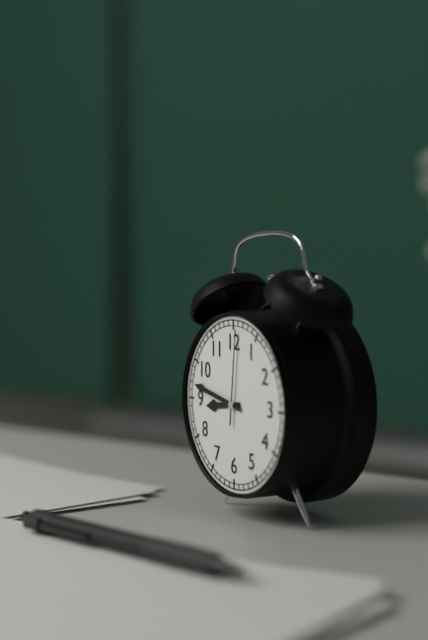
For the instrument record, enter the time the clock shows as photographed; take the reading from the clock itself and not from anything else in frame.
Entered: 8:47:01
